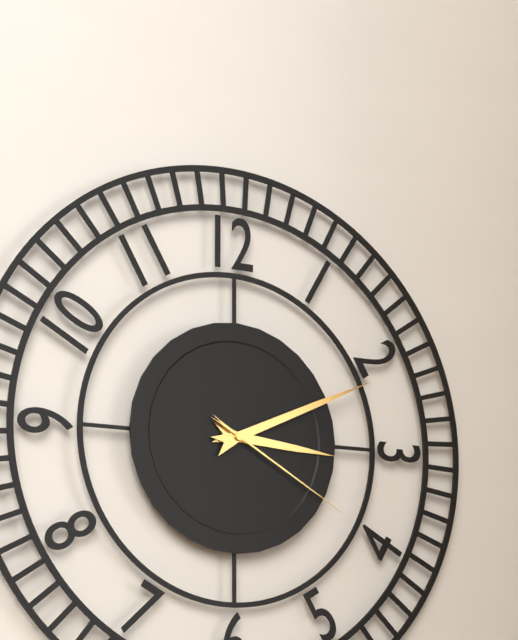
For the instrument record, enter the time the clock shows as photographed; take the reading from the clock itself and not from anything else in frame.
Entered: 3:11:20
